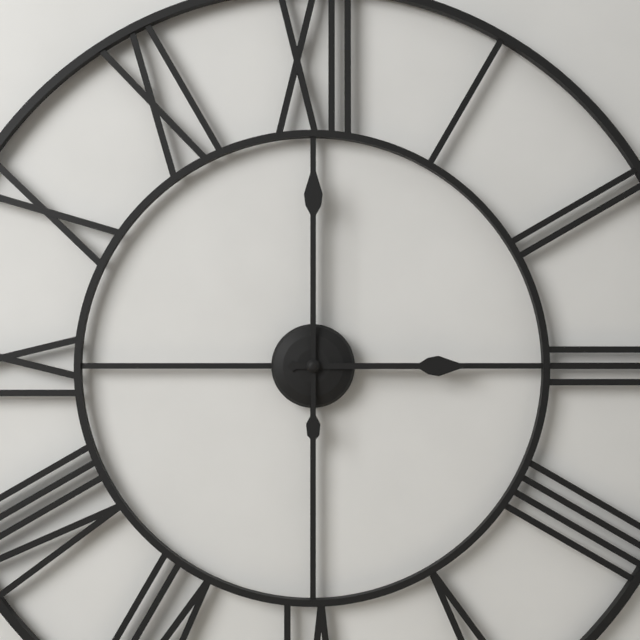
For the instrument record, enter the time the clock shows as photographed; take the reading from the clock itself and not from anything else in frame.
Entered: 3:00
